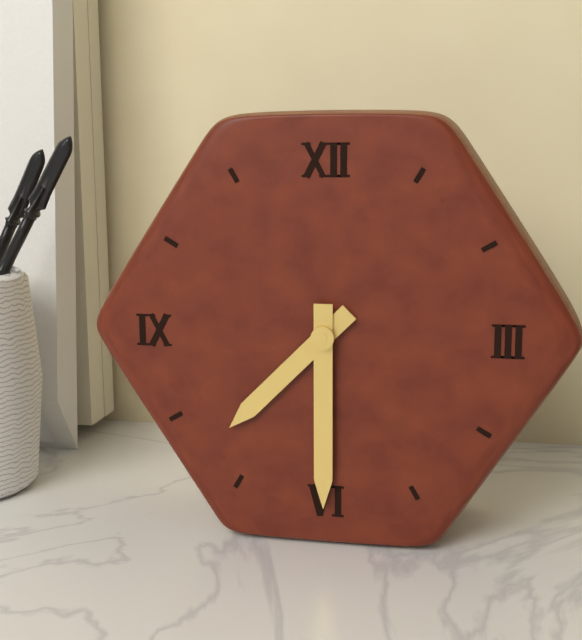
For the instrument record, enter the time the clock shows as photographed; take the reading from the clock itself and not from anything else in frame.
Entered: 7:30
